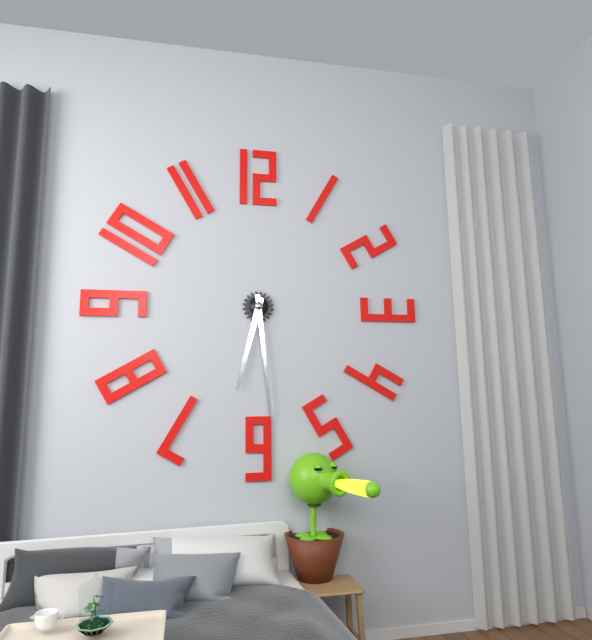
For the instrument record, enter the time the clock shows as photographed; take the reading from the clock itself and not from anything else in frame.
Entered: 6:29
